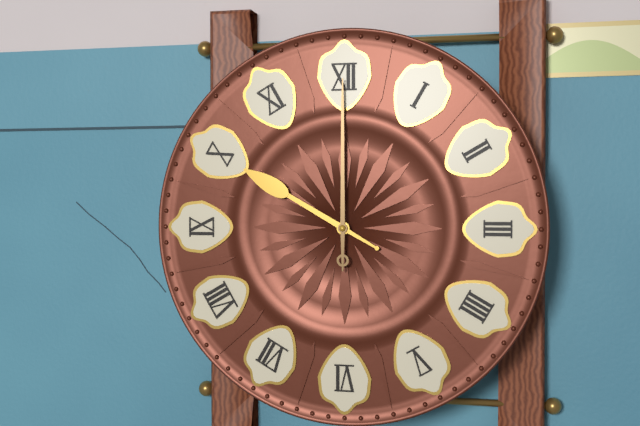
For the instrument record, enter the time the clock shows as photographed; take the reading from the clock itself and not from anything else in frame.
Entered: 10:00
